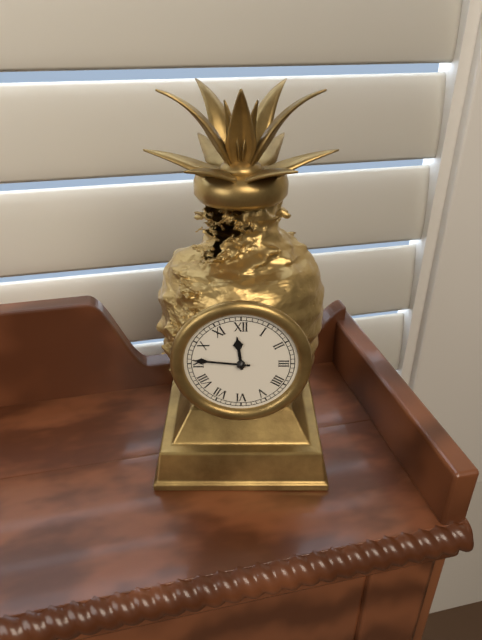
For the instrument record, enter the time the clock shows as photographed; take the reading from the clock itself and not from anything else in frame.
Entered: 11:46
